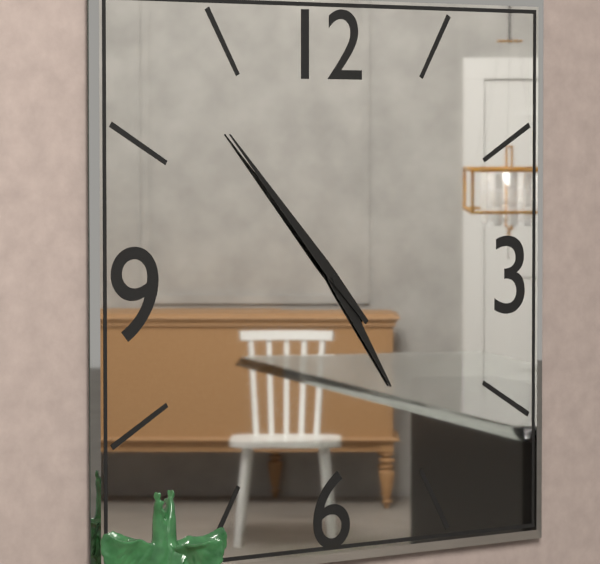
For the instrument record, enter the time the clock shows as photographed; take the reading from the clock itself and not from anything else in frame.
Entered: 4:53
